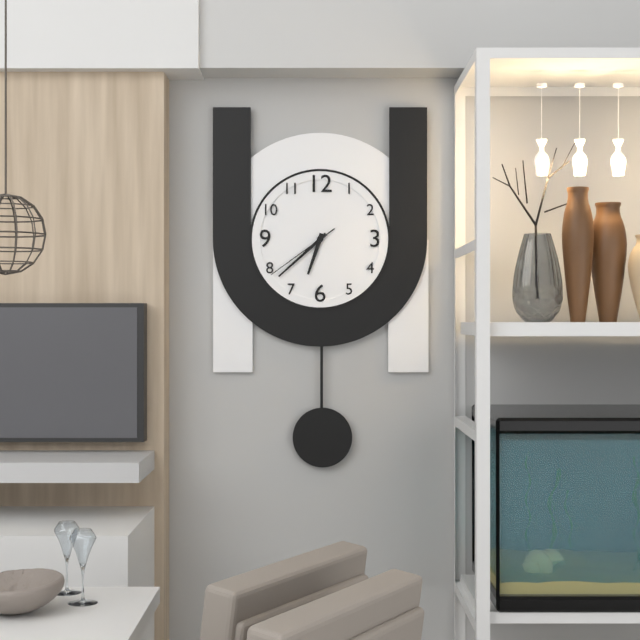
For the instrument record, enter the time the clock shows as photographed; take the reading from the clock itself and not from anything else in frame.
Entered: 6:38:39
